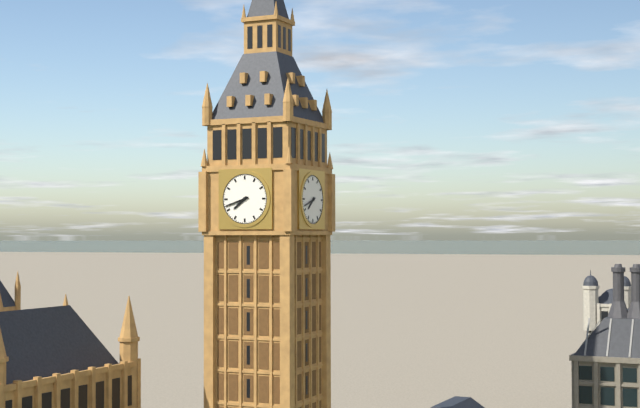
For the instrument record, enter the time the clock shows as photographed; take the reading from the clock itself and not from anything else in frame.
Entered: 7:42
